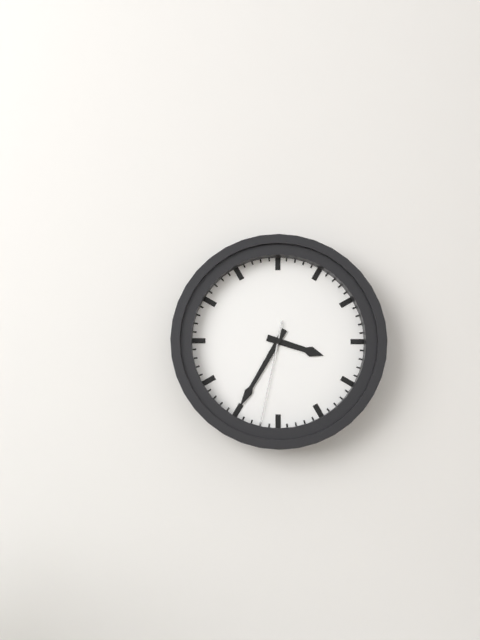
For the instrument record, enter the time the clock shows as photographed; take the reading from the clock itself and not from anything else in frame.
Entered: 3:35:32
